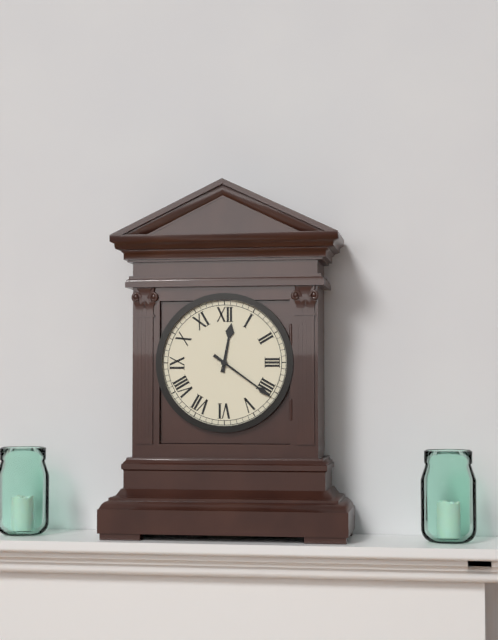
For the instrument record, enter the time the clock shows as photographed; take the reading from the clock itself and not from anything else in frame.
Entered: 12:21
